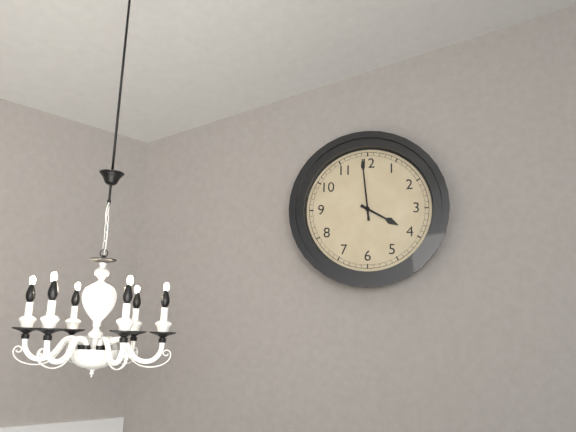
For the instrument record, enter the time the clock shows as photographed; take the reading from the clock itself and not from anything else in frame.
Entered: 3:59
